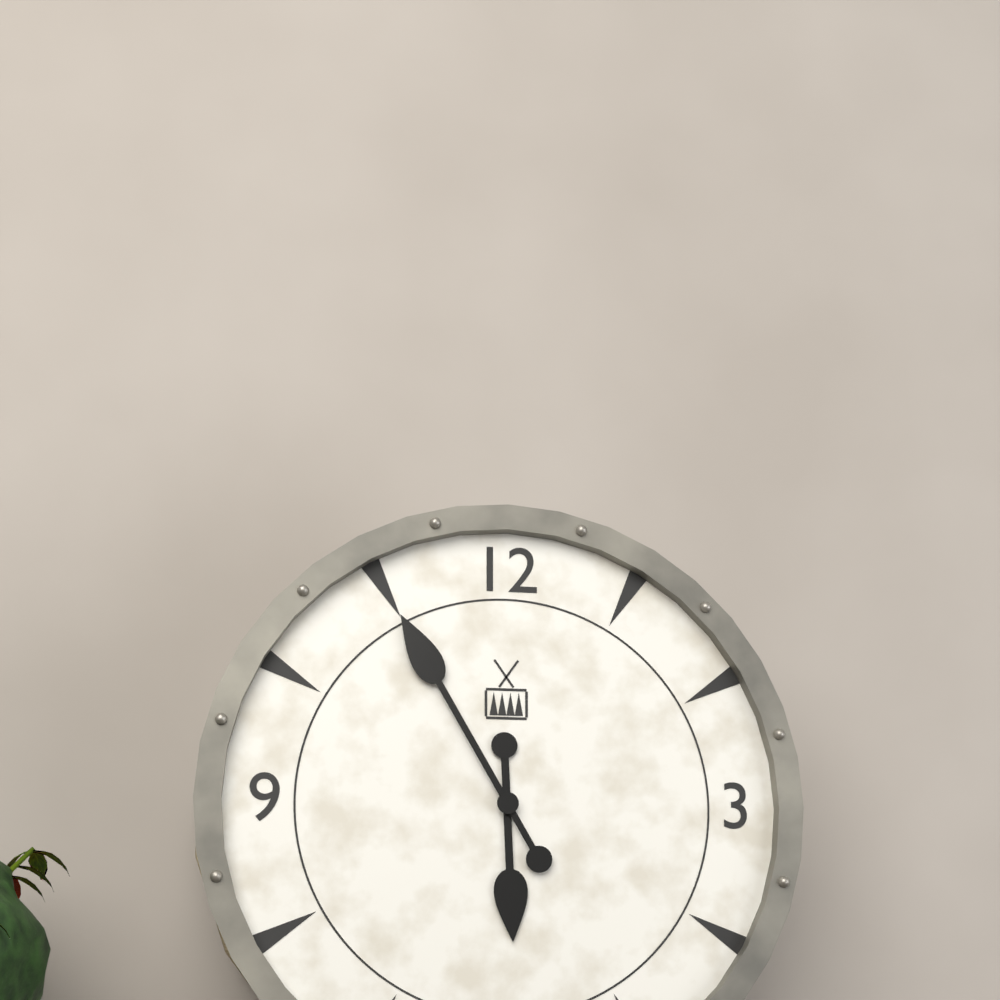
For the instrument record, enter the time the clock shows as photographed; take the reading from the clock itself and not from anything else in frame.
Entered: 5:55
